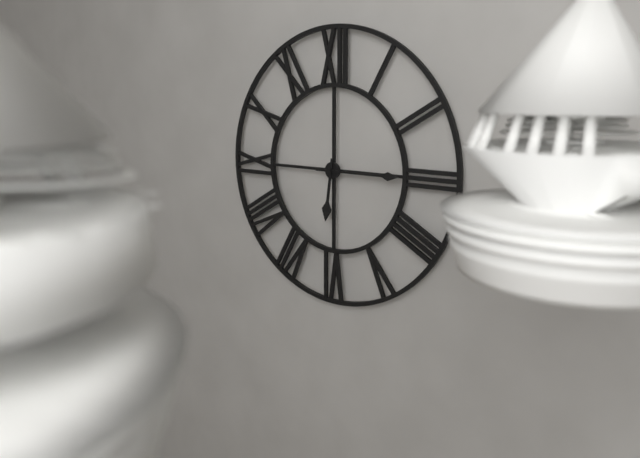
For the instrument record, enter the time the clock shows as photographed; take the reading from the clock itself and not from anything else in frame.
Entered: 6:15
